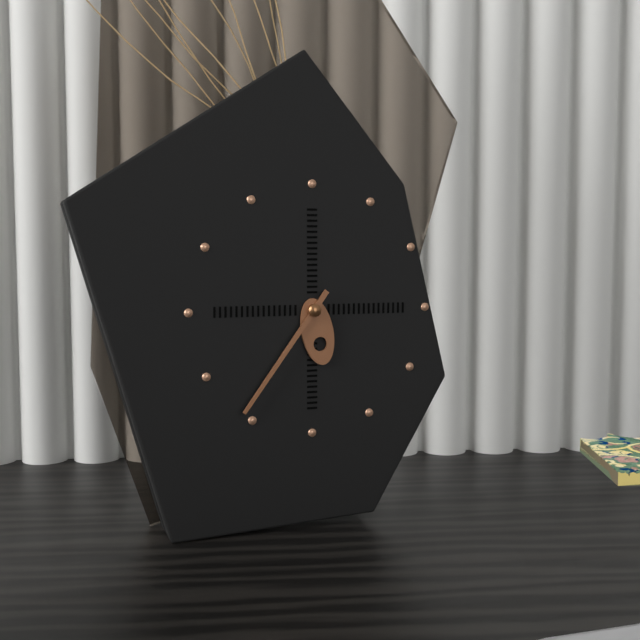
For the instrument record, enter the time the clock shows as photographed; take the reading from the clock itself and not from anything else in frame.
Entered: 5:36
